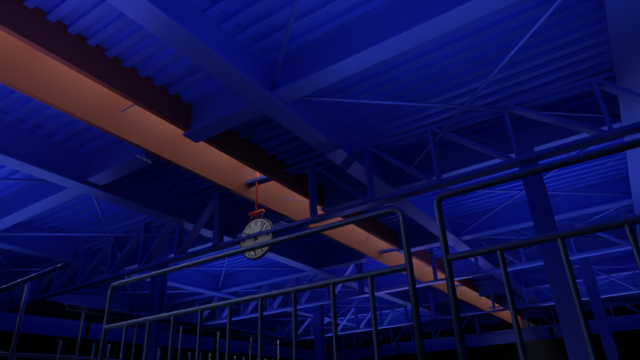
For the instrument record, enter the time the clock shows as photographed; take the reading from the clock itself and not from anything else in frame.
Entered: 10:07
